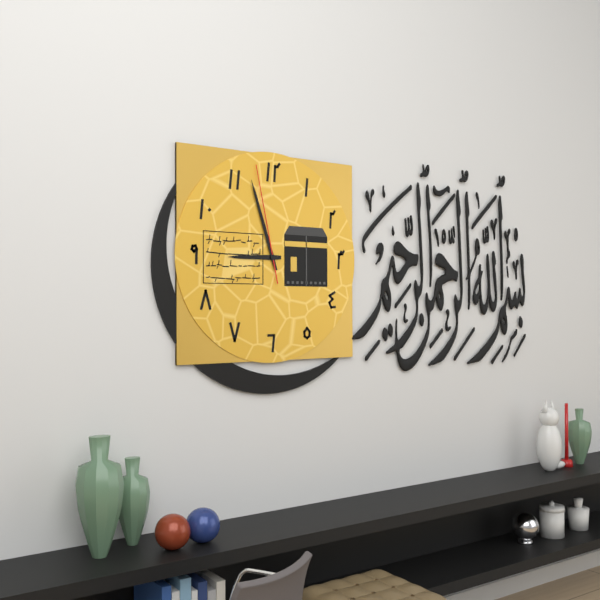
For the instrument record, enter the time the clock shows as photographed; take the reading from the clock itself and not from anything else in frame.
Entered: 8:57:58
